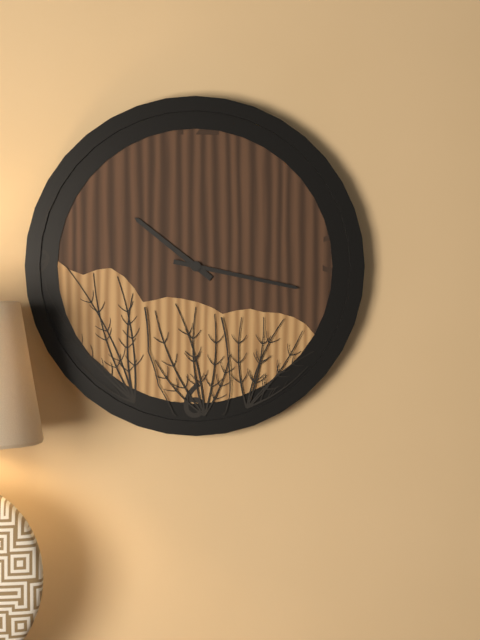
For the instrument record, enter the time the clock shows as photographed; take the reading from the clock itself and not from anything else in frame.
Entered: 10:17
